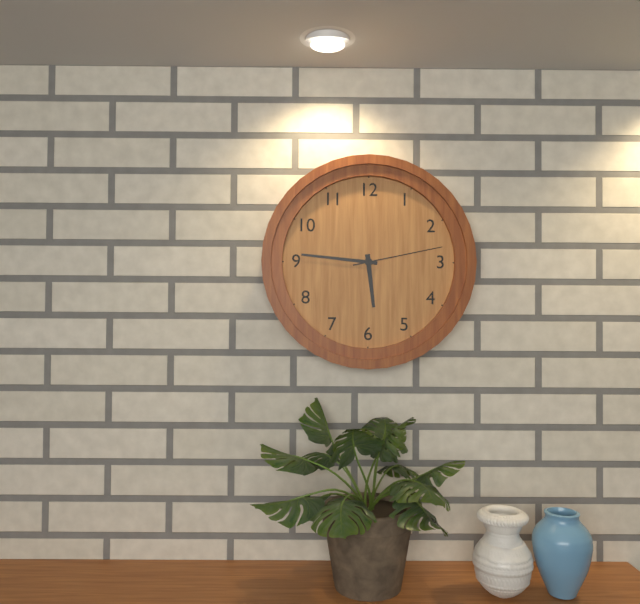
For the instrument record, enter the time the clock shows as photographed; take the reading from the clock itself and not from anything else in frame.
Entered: 5:46:13
